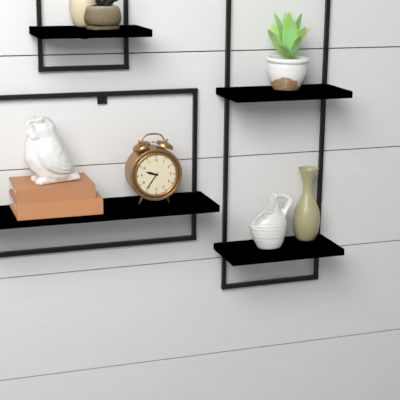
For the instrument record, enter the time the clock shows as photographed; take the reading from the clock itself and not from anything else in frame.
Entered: 9:36
